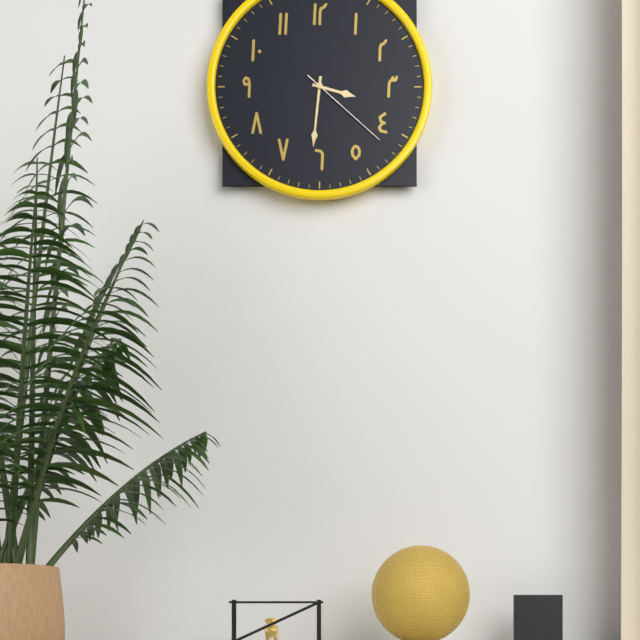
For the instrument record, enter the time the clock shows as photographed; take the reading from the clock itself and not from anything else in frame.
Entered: 3:31:22
